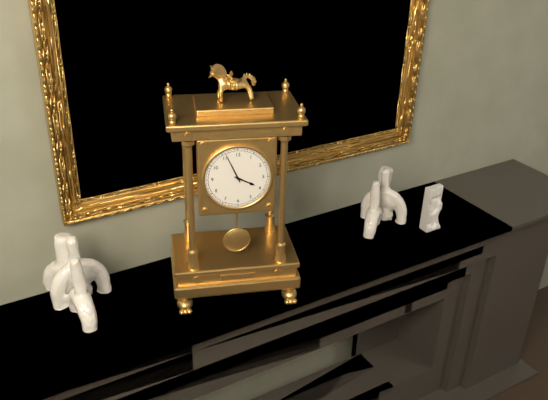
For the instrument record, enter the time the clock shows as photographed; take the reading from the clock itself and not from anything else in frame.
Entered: 3:56
